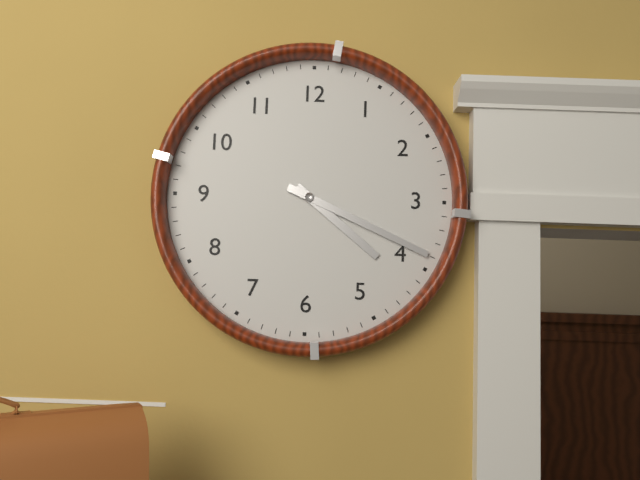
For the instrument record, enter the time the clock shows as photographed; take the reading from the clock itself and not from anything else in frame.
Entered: 4:19
